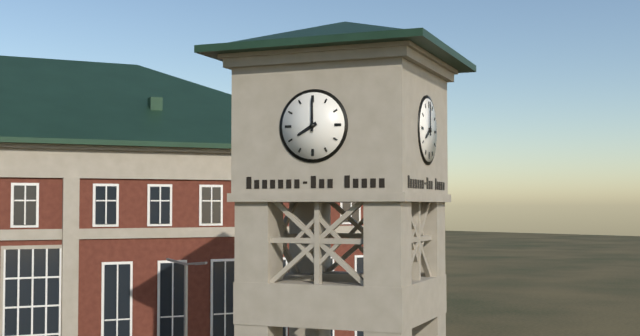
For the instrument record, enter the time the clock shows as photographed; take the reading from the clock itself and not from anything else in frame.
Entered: 8:00
